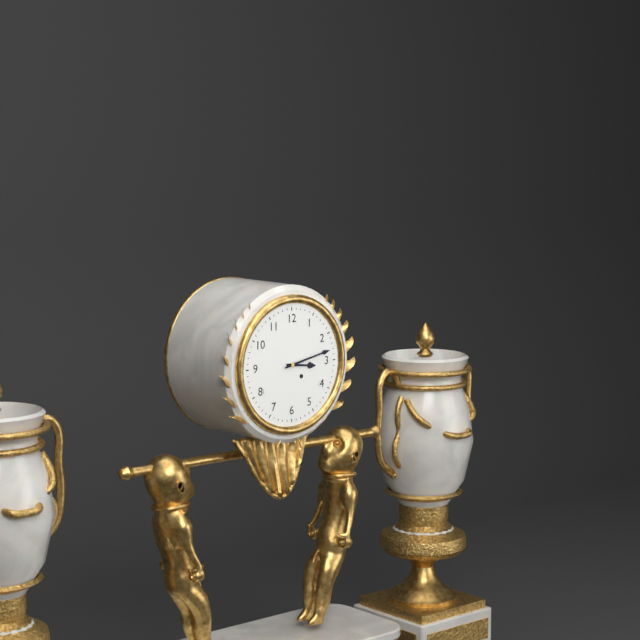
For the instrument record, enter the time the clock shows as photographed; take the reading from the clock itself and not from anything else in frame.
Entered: 3:13
